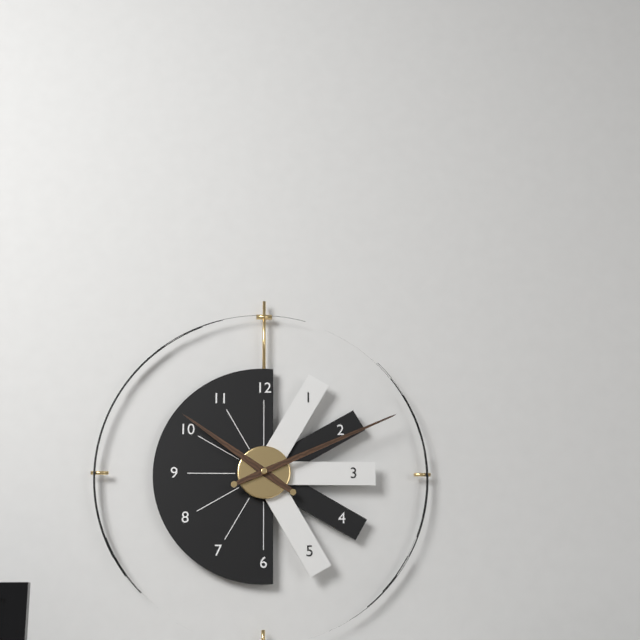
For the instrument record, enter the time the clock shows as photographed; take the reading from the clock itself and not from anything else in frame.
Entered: 10:11
